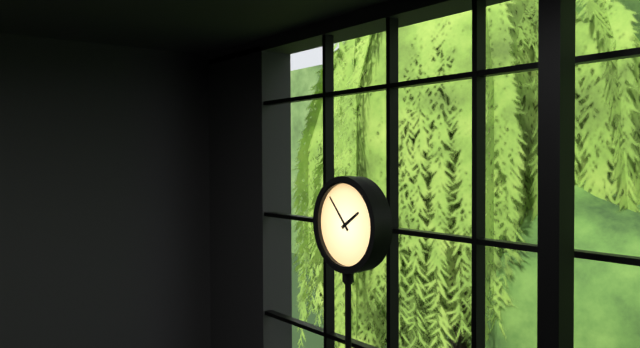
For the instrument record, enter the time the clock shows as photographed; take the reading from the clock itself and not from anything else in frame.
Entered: 1:53
